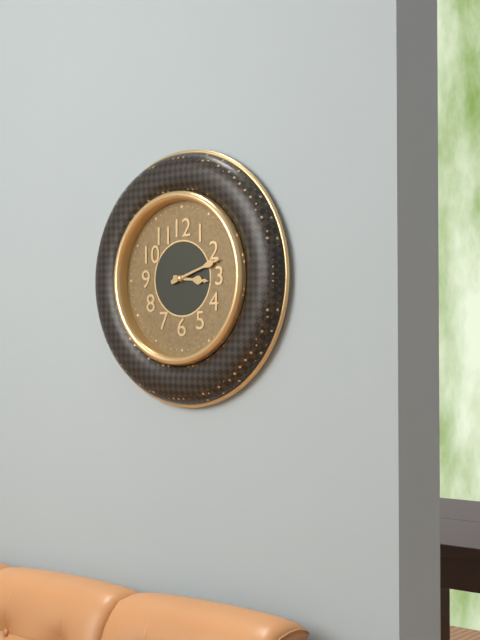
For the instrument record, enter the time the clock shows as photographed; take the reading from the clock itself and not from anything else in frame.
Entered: 3:12
